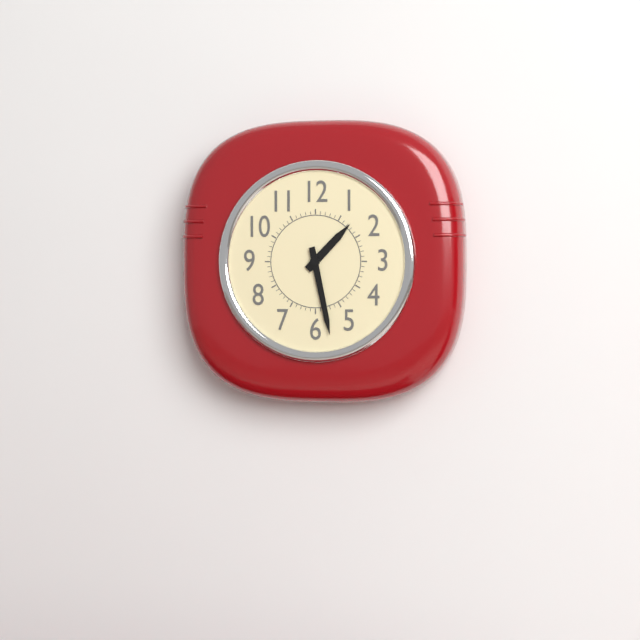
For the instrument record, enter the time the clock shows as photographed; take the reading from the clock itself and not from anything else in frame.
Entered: 1:28
